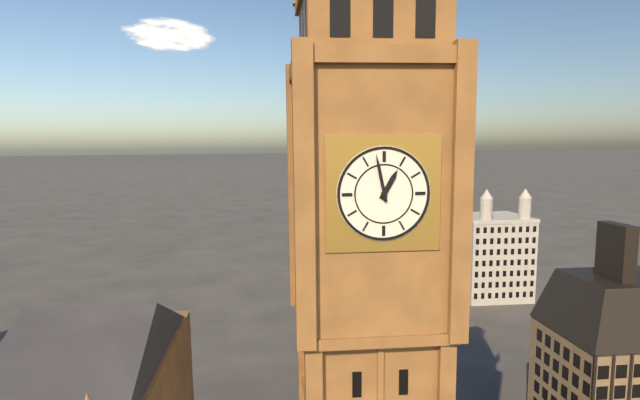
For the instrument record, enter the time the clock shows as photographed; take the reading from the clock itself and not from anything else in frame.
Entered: 12:58
